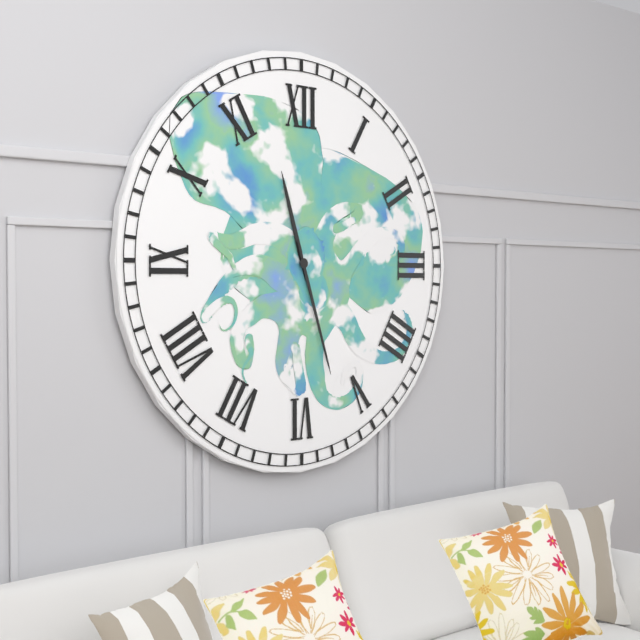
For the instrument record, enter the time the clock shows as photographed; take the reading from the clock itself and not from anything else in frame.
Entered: 11:27
